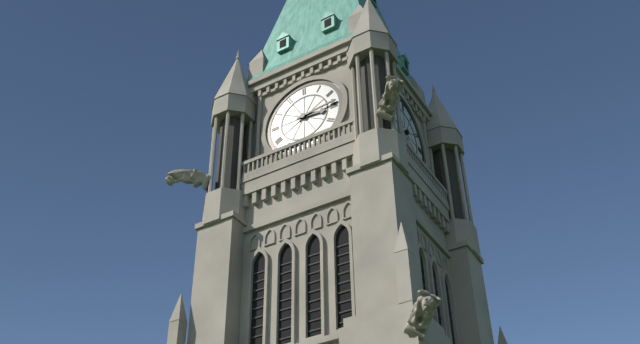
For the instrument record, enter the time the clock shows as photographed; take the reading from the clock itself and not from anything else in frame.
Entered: 3:14
